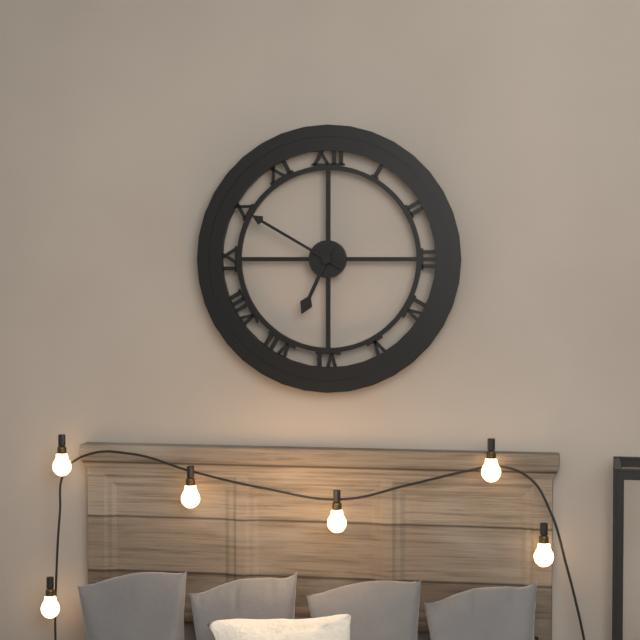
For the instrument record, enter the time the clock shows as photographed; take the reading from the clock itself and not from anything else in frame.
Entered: 6:50
